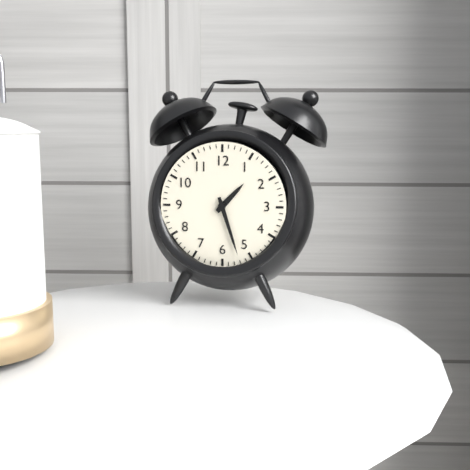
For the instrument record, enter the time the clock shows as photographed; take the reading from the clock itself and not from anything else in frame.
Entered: 1:27
